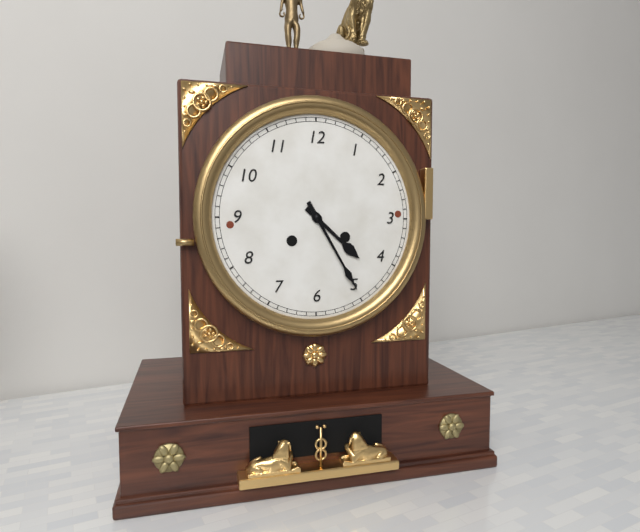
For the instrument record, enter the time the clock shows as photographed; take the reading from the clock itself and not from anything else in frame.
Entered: 4:25
